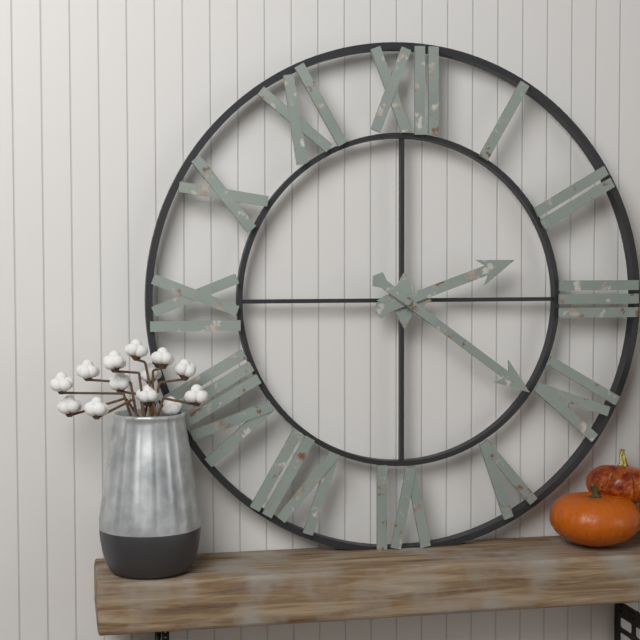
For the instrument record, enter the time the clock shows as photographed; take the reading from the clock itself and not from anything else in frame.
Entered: 2:21
